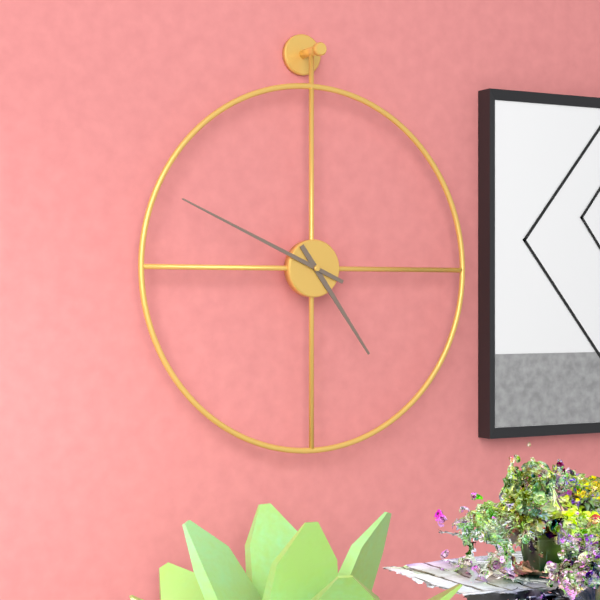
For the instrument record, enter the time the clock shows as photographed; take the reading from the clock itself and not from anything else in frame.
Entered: 4:49
